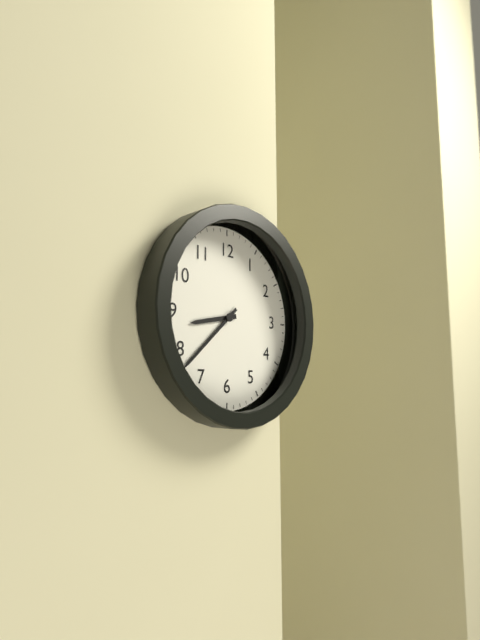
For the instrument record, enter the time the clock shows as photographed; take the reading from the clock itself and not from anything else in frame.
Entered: 8:38
